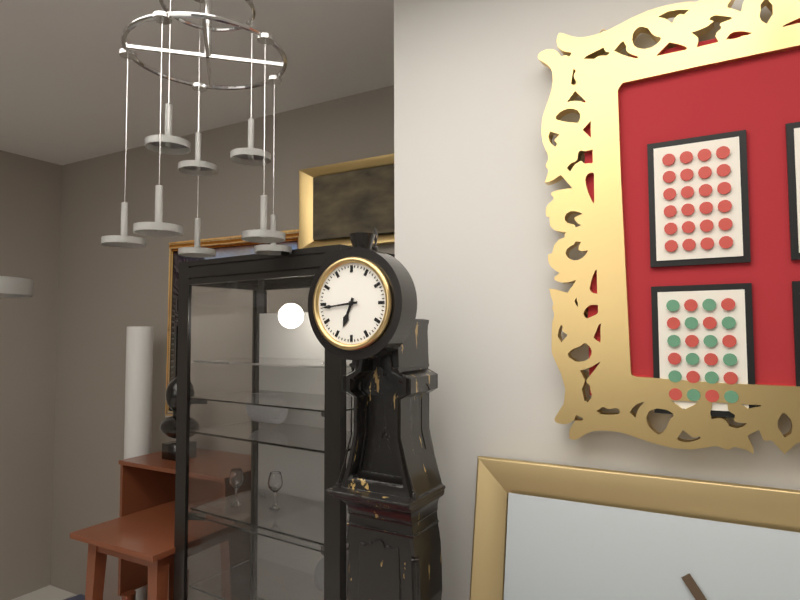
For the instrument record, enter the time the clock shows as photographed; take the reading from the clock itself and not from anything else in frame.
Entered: 6:44
